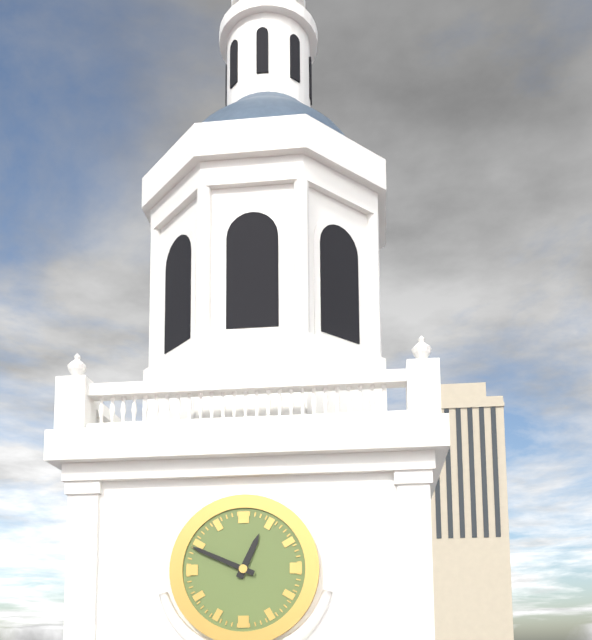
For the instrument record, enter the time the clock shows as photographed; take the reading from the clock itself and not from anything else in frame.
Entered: 12:49
